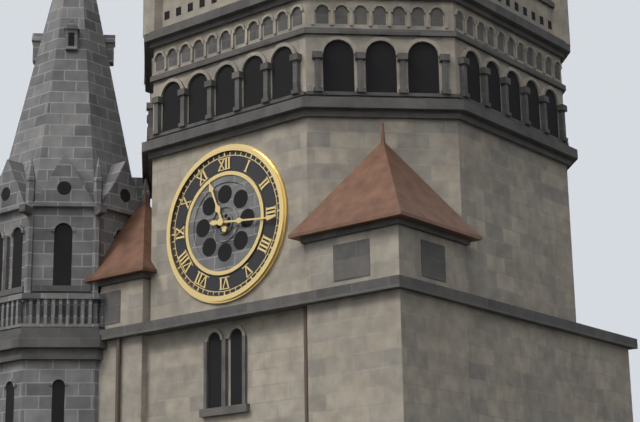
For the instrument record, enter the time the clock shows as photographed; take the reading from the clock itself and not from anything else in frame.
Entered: 11:16
